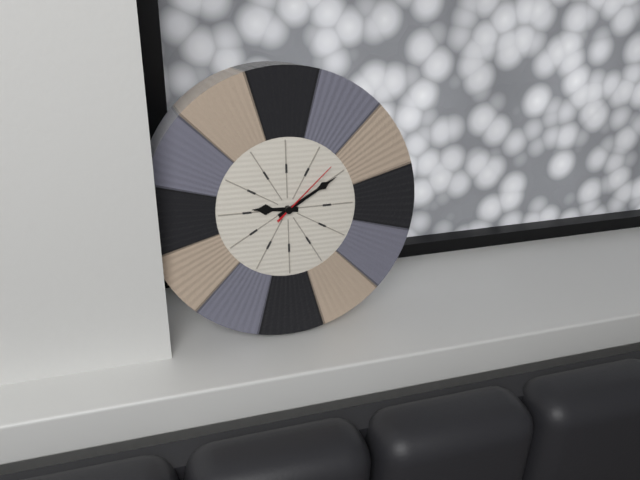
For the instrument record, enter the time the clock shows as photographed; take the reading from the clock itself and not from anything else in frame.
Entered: 9:10:08
